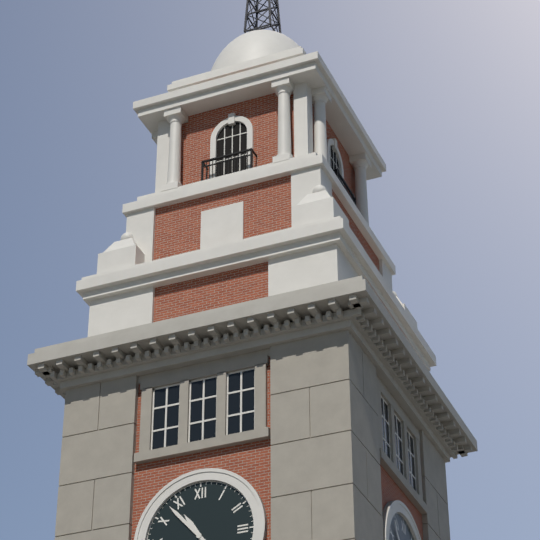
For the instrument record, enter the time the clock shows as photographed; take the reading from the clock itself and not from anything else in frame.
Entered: 10:53
